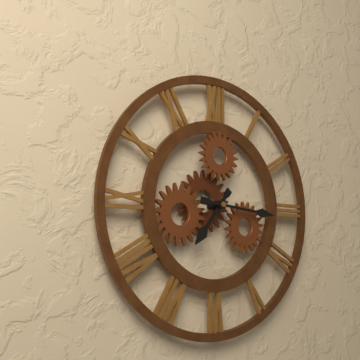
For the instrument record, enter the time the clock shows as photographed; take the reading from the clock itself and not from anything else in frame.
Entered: 7:16
